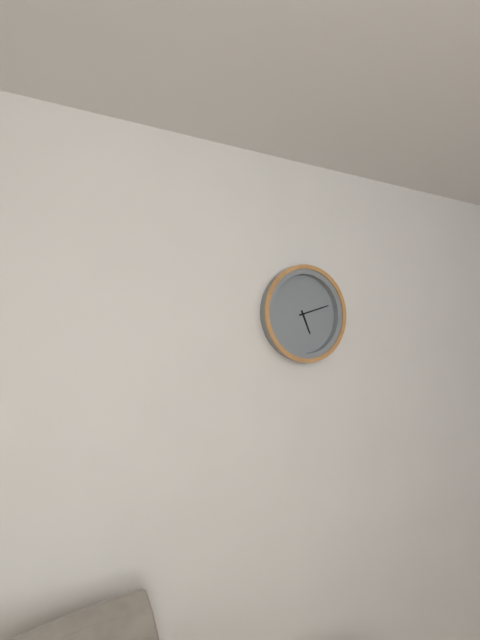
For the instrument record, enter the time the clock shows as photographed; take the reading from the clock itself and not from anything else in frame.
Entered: 5:12
